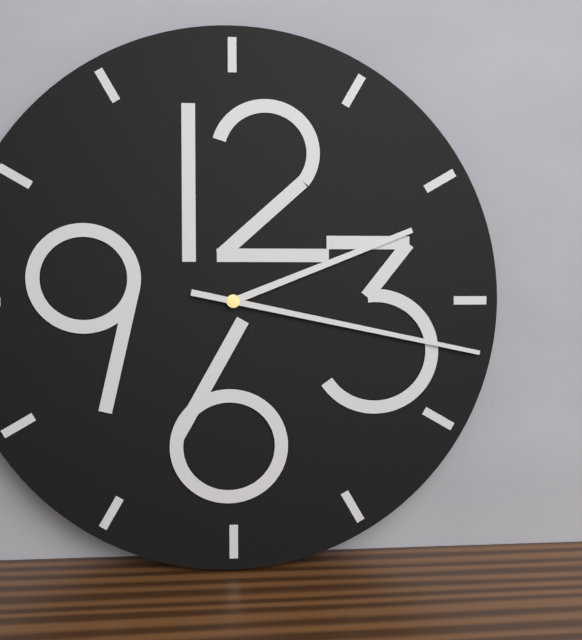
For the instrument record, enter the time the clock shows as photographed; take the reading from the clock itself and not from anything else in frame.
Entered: 2:17
